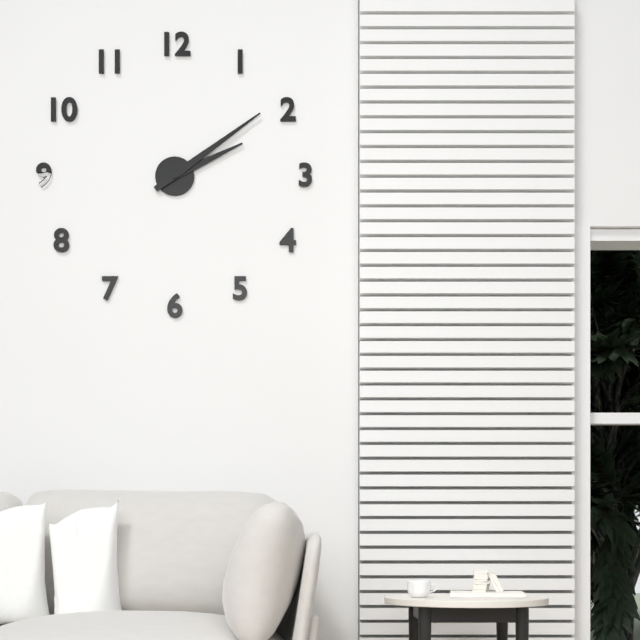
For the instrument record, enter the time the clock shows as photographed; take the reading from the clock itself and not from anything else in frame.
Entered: 2:09
